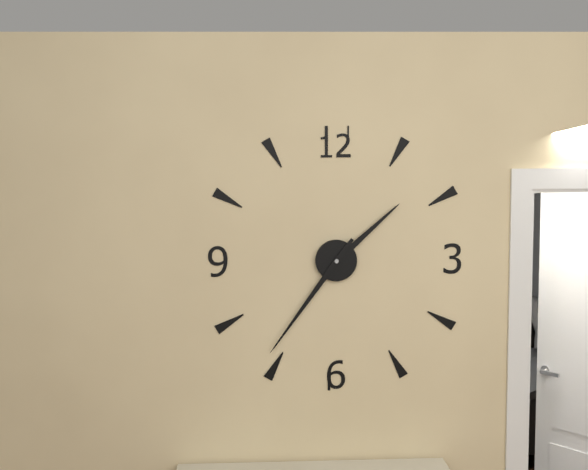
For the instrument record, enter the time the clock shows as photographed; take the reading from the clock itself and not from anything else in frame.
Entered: 1:36
